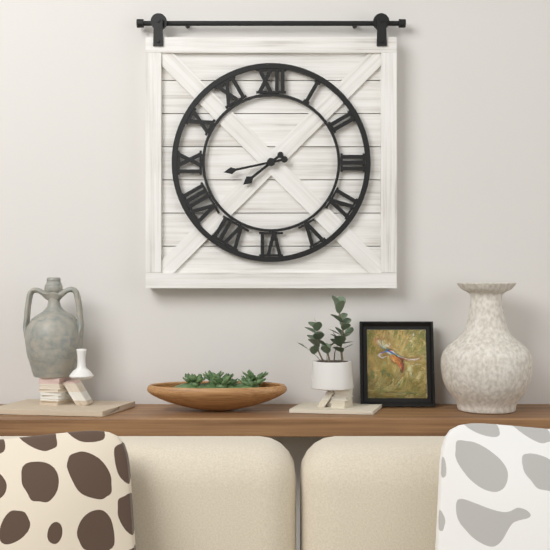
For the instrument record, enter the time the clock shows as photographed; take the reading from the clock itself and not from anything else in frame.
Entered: 7:43
